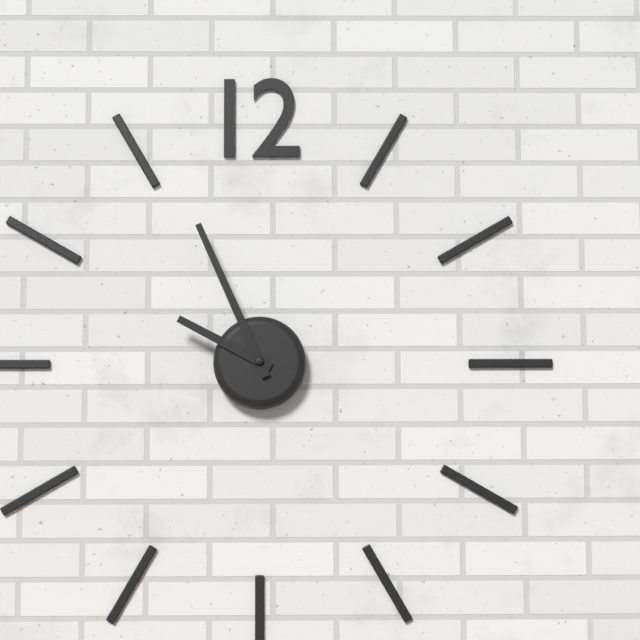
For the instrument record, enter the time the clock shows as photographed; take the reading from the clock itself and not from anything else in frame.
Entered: 9:56
